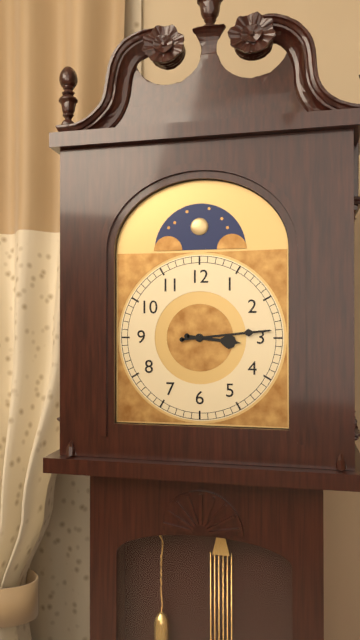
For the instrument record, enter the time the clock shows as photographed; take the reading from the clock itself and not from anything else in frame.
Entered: 3:14
